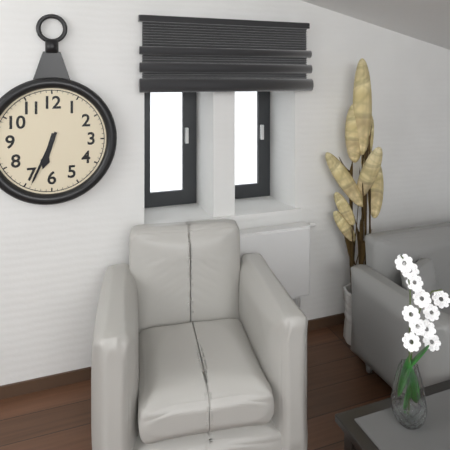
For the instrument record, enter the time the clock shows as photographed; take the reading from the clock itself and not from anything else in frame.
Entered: 6:34
